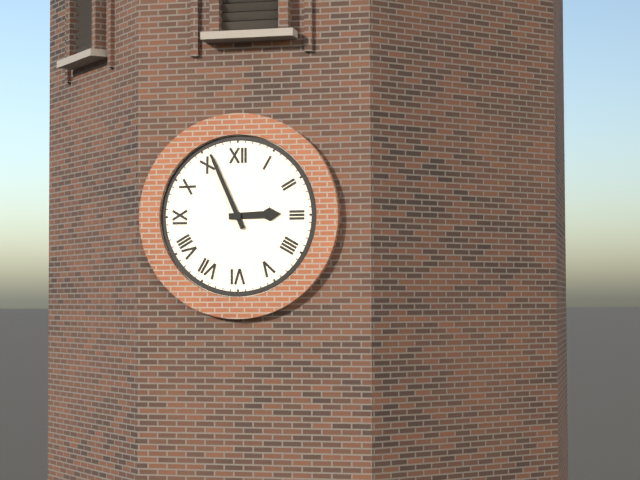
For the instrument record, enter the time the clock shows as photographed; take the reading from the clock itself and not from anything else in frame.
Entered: 2:56
